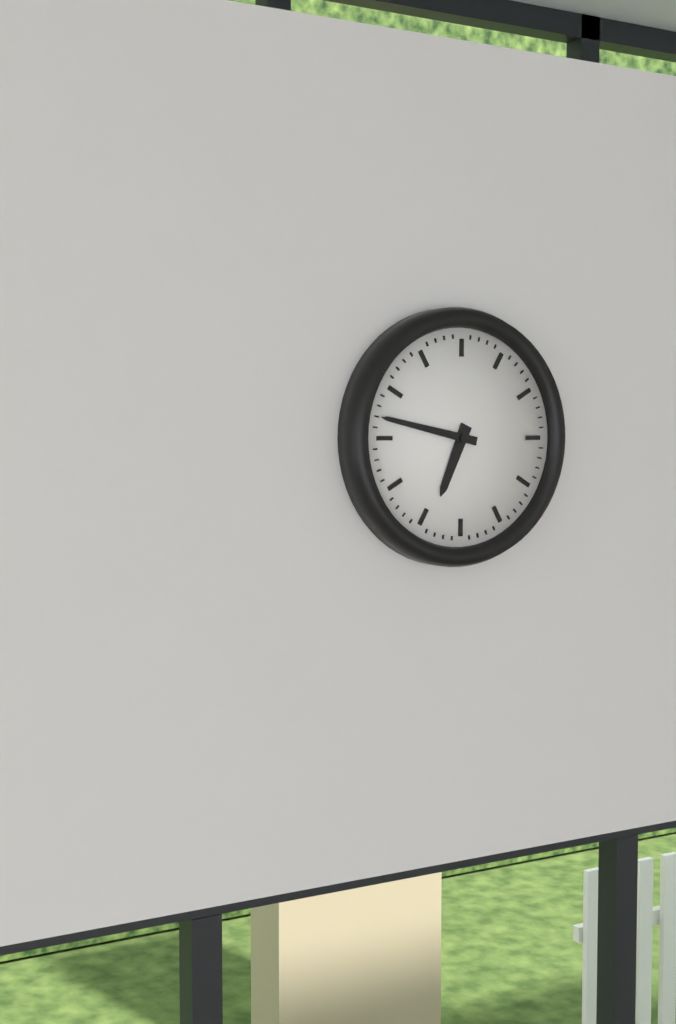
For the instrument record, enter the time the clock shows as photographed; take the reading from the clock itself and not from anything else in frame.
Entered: 6:47
